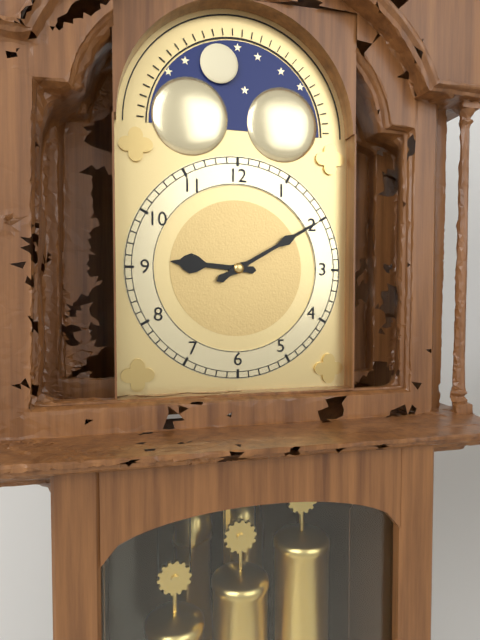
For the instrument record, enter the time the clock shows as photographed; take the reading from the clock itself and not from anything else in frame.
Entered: 9:10
